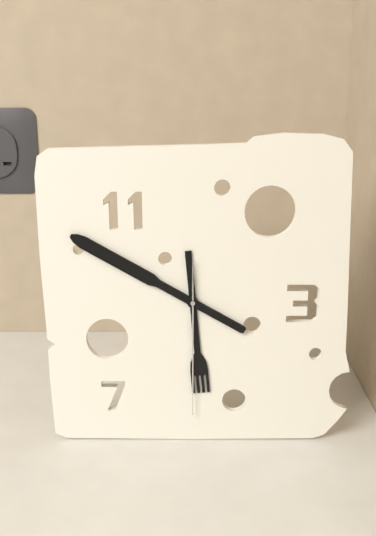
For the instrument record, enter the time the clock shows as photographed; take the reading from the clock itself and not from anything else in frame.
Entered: 5:50:30
